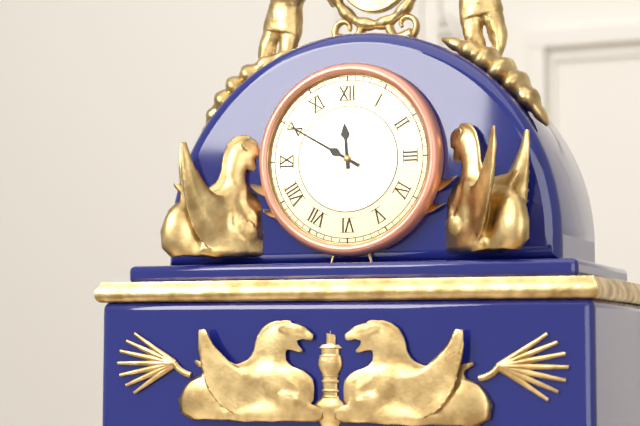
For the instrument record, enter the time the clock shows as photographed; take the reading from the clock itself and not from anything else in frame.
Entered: 11:50
